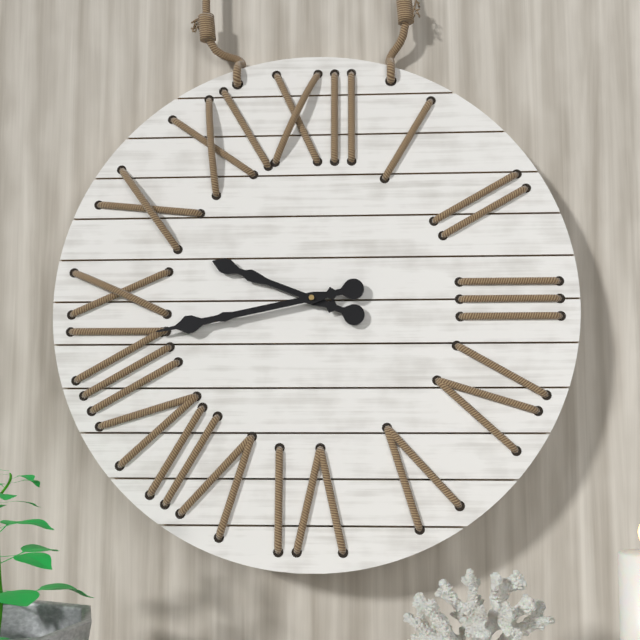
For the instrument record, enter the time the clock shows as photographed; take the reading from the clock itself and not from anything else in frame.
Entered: 9:43
